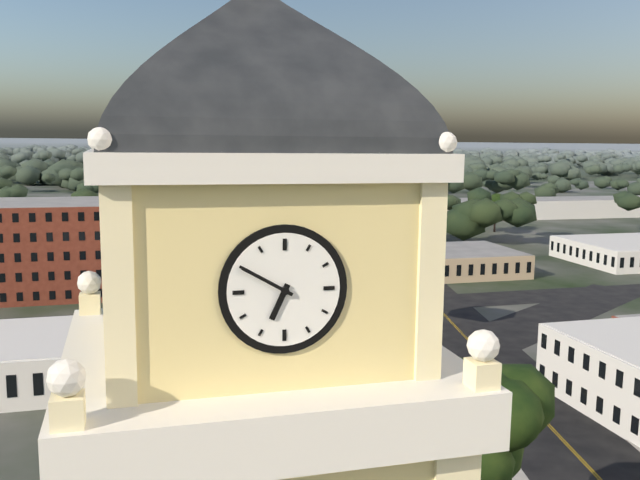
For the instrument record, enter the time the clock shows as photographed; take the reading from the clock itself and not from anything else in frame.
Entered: 6:50
